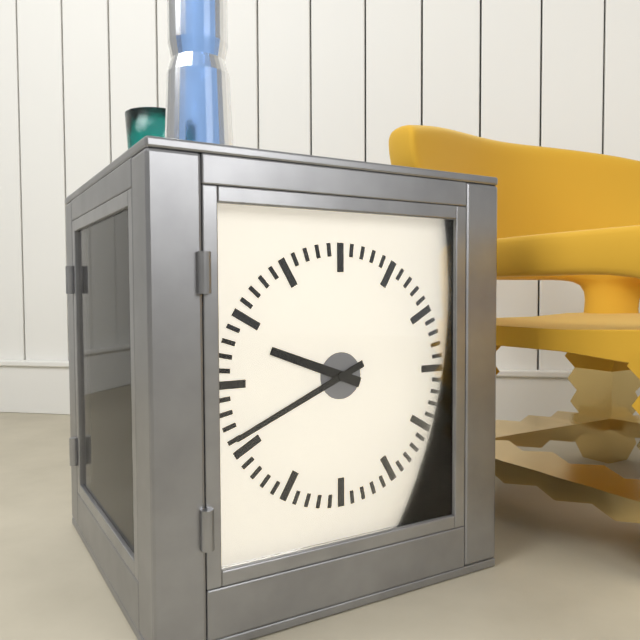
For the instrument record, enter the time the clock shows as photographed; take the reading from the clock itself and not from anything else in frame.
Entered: 9:41
